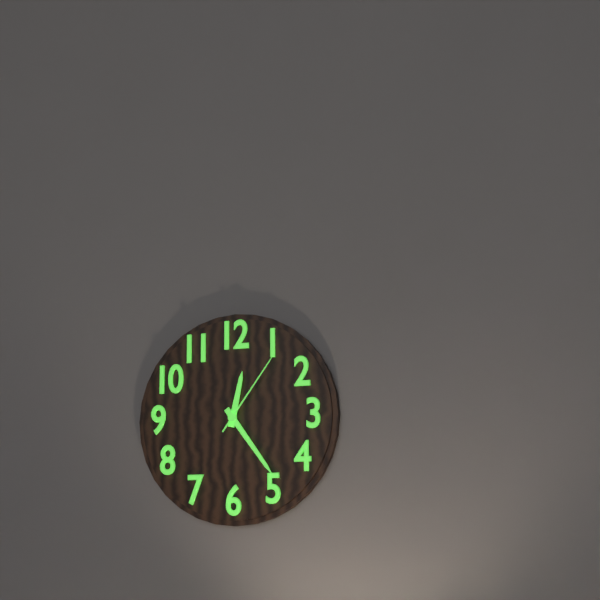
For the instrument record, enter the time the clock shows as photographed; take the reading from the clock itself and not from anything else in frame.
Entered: 12:24:06
